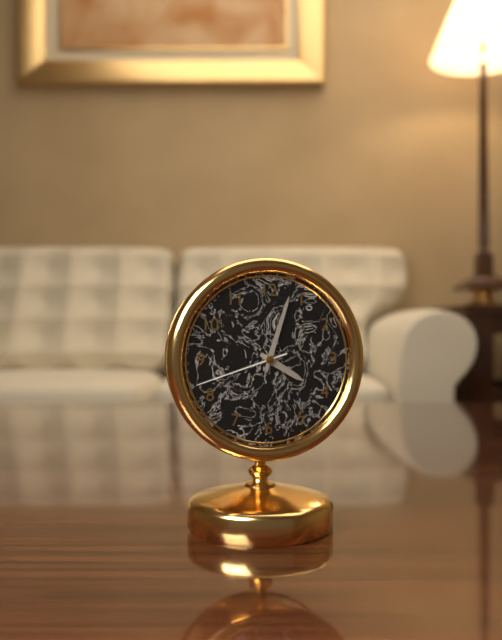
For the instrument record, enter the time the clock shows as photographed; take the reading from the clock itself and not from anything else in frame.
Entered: 4:03:42
